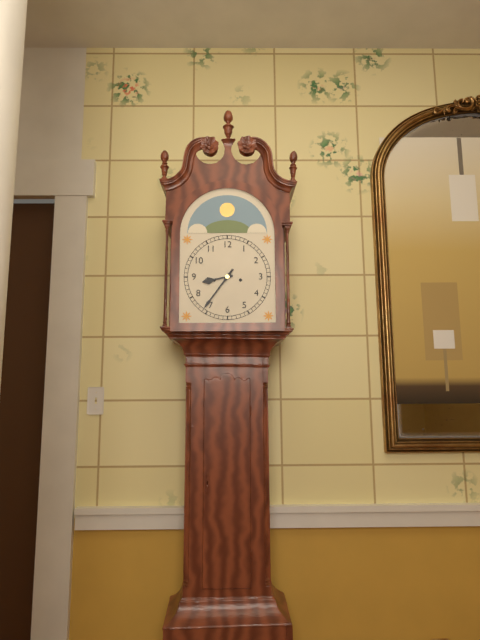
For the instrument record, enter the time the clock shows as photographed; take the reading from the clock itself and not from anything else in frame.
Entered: 8:36
